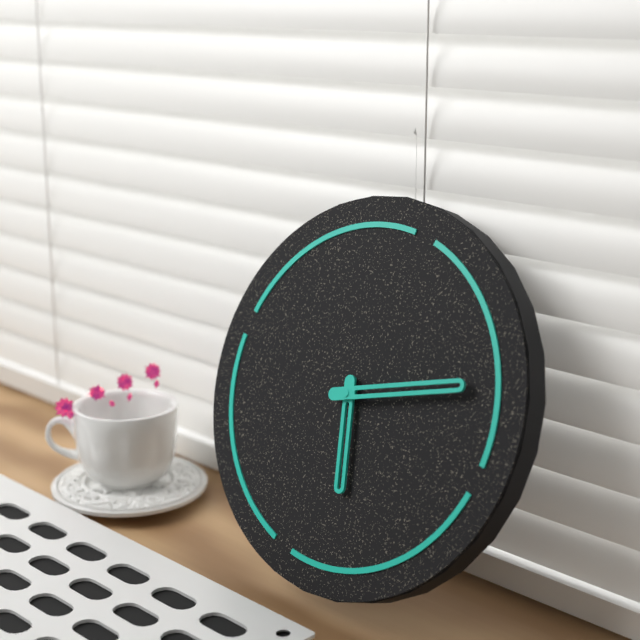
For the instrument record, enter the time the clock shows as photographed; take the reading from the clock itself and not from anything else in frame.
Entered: 5:10
